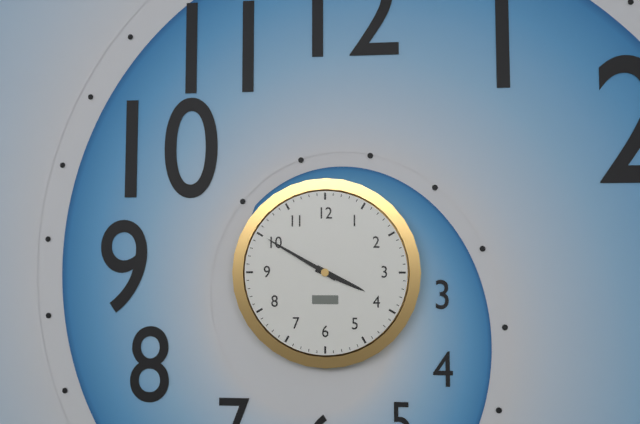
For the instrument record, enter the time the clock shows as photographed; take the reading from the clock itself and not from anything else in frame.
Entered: 3:50
